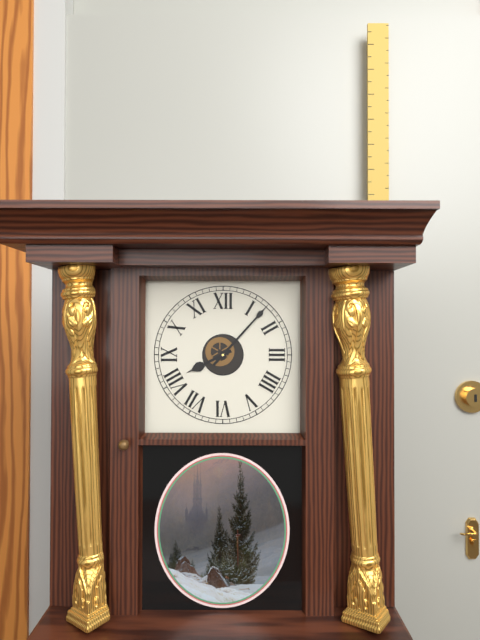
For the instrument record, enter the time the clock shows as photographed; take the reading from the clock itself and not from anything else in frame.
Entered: 8:07
